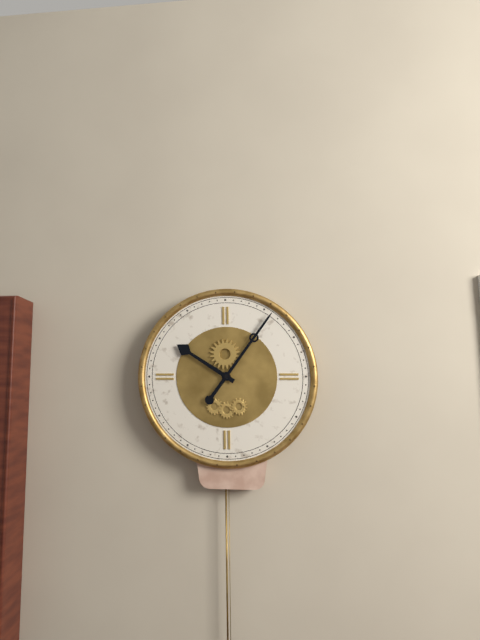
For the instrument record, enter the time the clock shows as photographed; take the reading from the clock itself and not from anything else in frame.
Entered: 10:06
